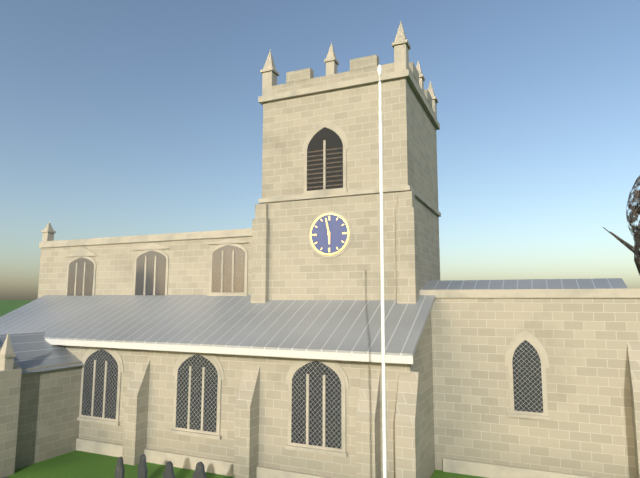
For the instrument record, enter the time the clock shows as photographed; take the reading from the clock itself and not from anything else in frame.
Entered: 5:58
